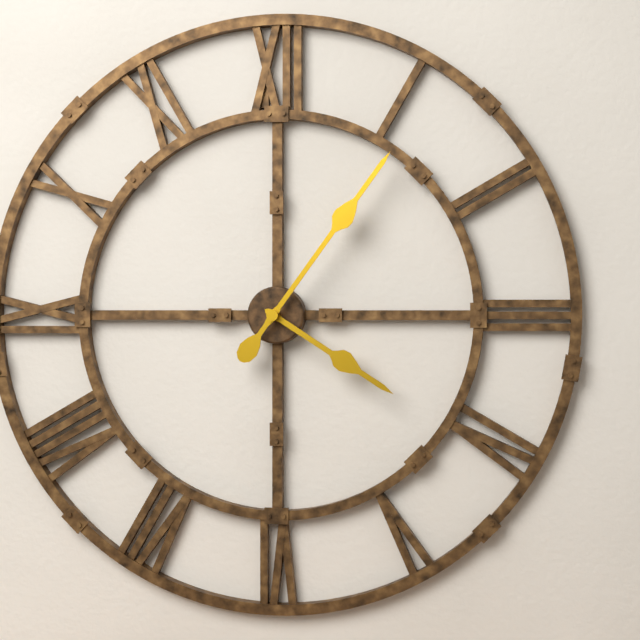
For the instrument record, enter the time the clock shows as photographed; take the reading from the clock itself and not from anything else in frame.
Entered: 4:06
